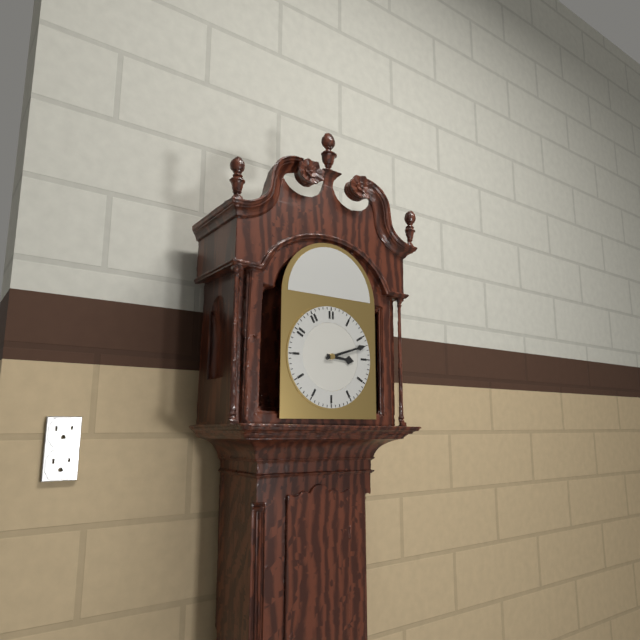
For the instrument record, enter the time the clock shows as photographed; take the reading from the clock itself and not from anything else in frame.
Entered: 3:12
